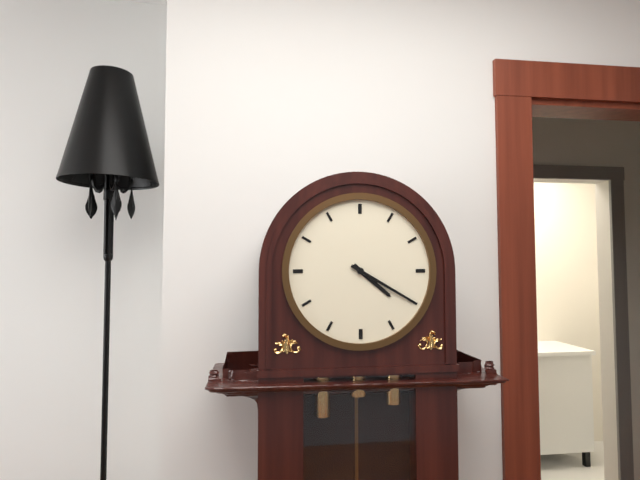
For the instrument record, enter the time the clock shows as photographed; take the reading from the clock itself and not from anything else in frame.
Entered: 4:20
